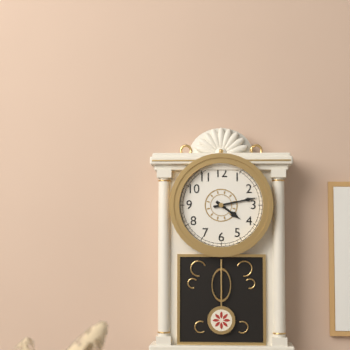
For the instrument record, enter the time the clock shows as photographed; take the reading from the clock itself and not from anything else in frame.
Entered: 4:13
